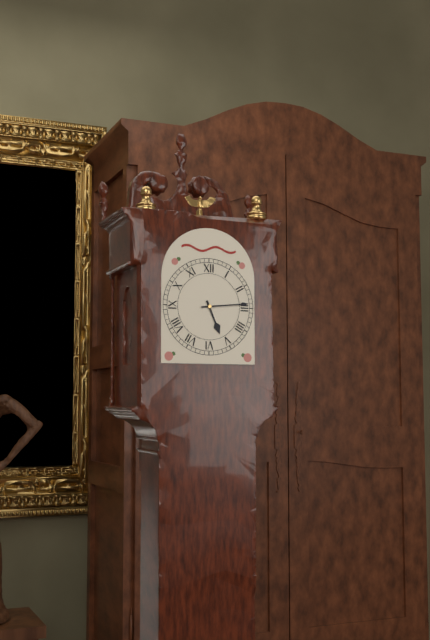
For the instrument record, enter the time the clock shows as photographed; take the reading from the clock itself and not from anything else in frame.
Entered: 5:14
